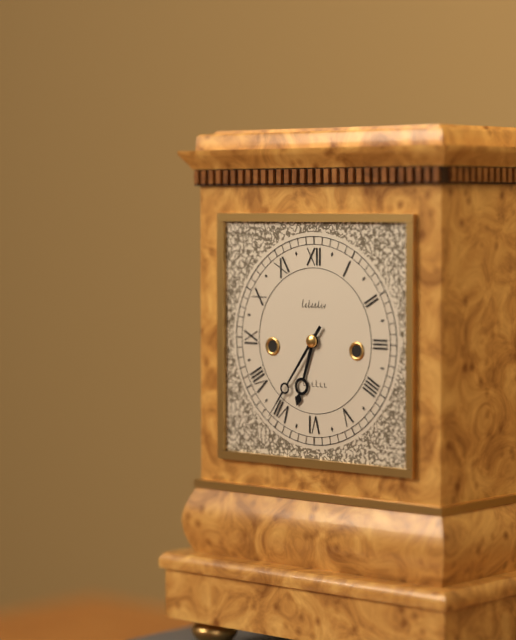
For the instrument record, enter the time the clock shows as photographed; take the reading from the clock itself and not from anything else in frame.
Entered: 6:36
